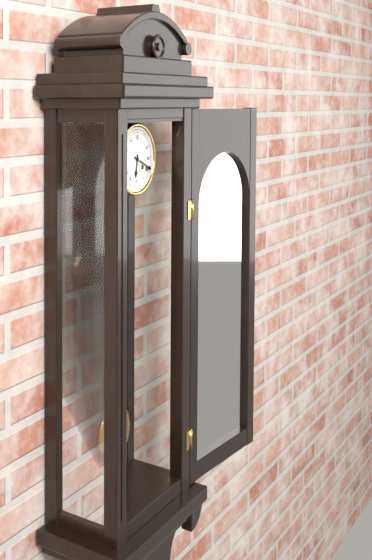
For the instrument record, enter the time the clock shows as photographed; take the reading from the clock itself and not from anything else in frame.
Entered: 6:19
